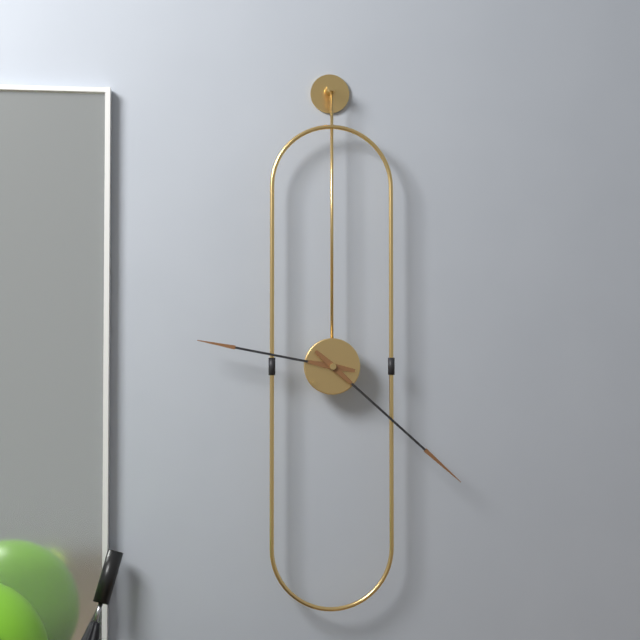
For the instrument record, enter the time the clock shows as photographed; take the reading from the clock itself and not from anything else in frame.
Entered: 9:22
